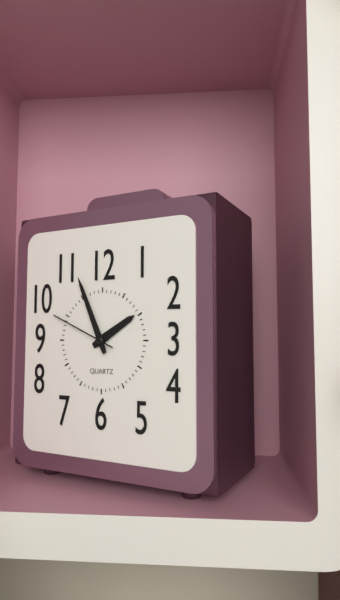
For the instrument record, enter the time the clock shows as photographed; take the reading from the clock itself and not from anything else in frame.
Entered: 1:56:49
